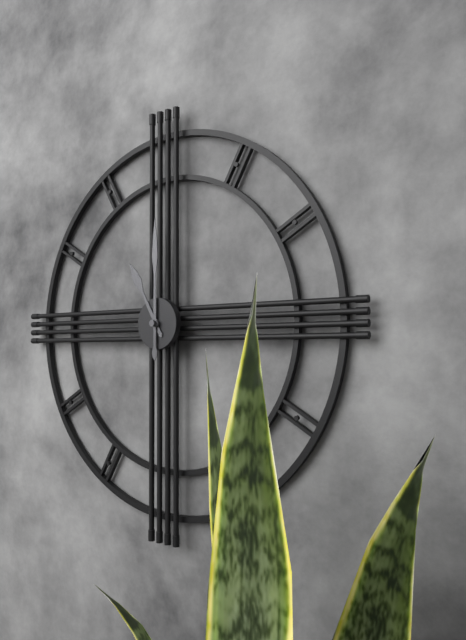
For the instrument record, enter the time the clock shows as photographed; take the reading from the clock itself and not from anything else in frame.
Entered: 11:00
